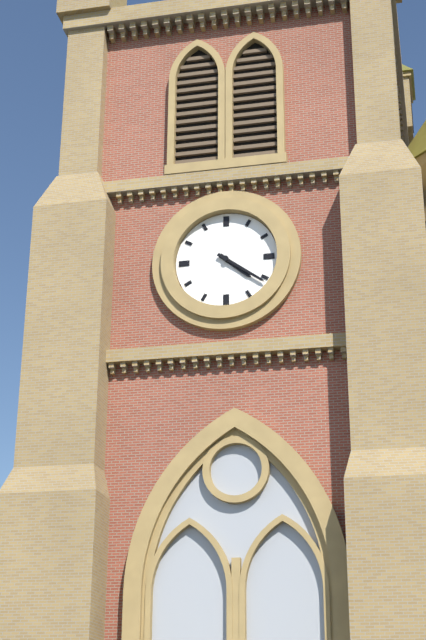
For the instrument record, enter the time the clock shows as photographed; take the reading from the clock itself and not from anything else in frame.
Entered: 4:21
